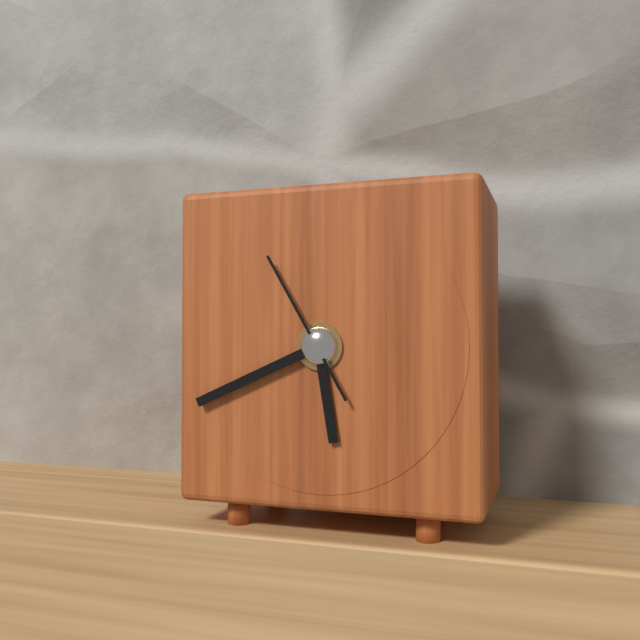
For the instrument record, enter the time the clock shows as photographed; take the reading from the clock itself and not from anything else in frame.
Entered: 5:41:55
